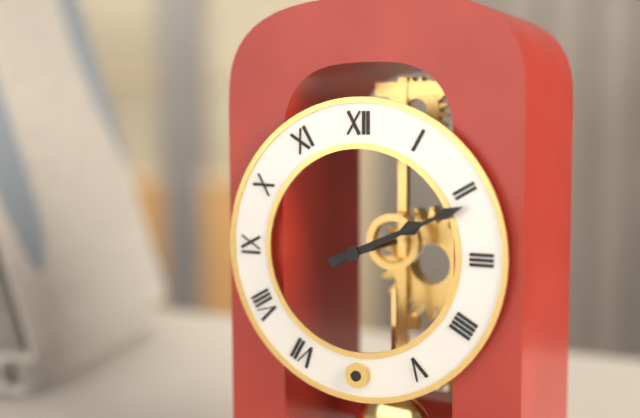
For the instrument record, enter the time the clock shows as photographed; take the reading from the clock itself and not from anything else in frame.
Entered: 2:11
